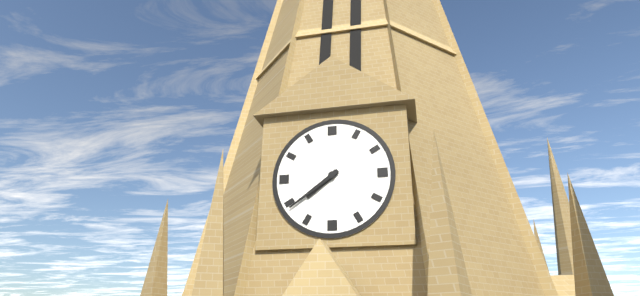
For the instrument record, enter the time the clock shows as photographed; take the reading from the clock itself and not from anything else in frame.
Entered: 7:39
